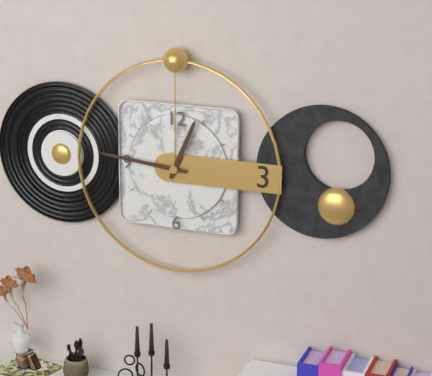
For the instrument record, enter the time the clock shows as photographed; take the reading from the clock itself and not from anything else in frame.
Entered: 12:46
